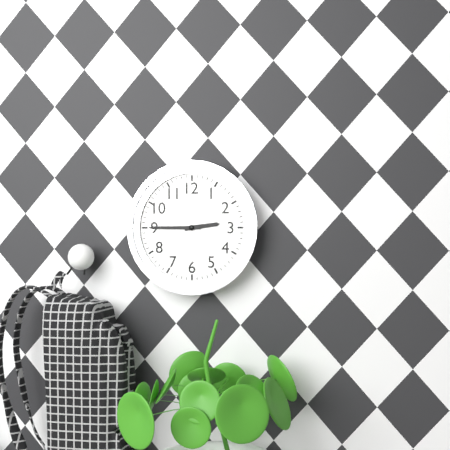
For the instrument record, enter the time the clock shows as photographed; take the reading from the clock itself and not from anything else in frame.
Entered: 2:45
